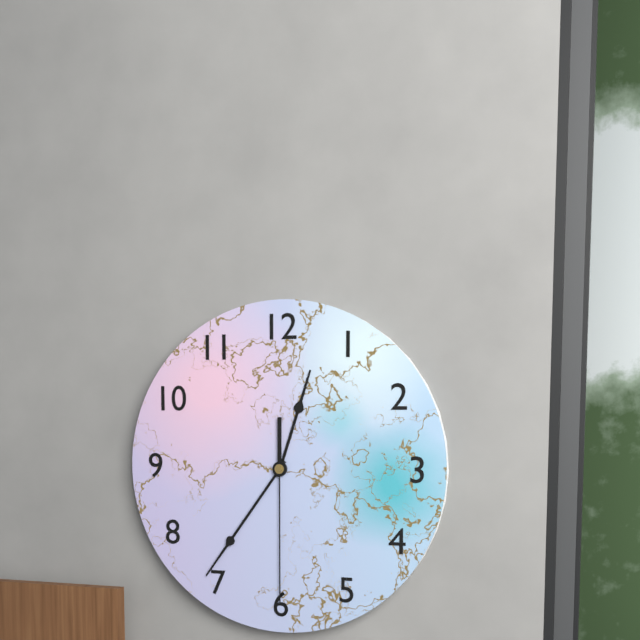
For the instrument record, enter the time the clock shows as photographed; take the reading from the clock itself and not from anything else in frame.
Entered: 12:36:30
